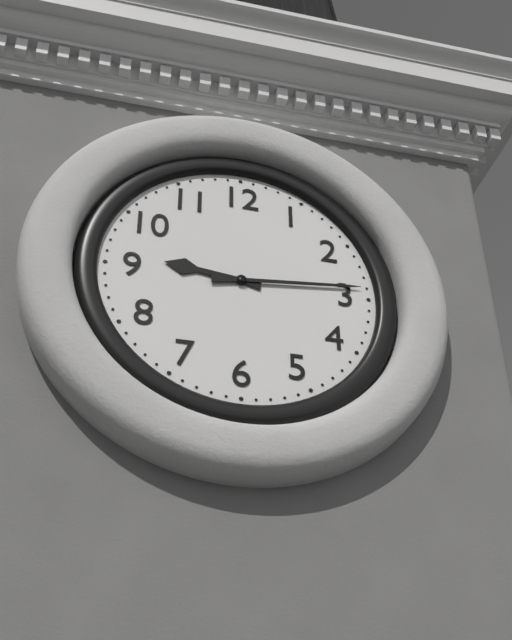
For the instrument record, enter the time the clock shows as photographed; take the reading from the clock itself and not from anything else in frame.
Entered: 9:14
